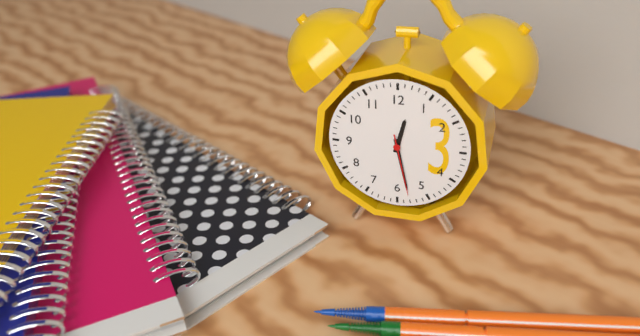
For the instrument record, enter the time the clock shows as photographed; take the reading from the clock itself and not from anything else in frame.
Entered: 12:28:28
